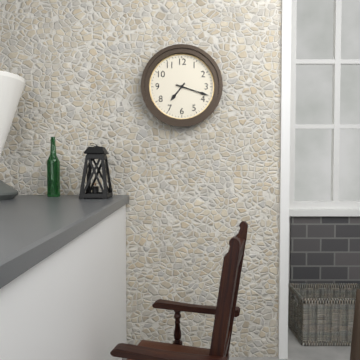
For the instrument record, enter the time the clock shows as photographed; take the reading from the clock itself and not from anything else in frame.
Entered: 7:18
